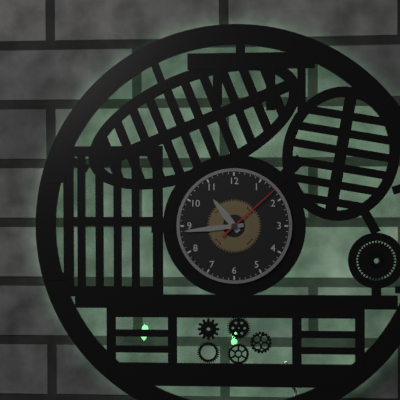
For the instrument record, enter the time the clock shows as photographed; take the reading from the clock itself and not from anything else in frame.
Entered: 10:44:08
